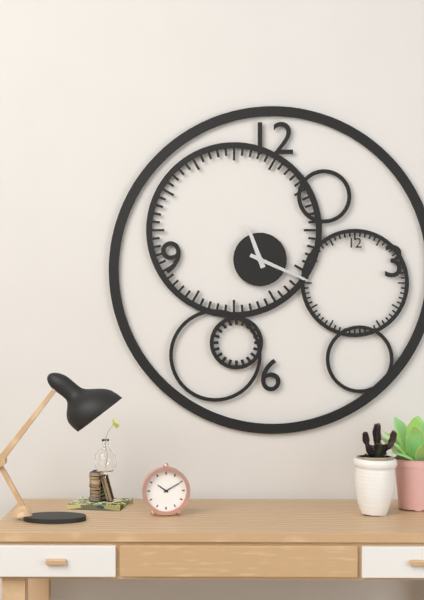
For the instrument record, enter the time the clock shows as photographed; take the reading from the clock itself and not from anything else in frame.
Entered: 11:19
